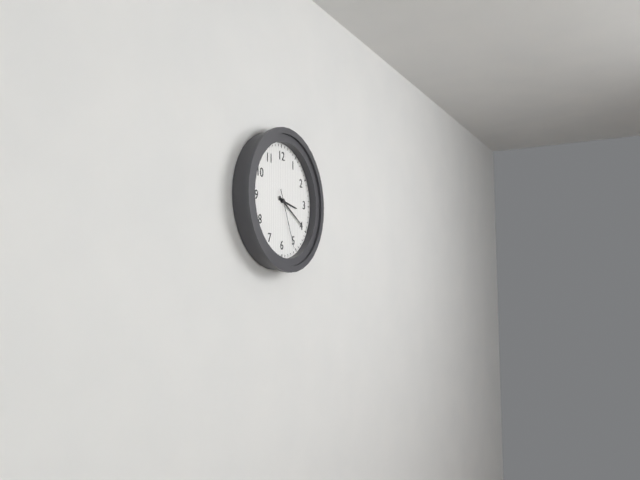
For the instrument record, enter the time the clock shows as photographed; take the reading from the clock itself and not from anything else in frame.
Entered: 3:20:26
